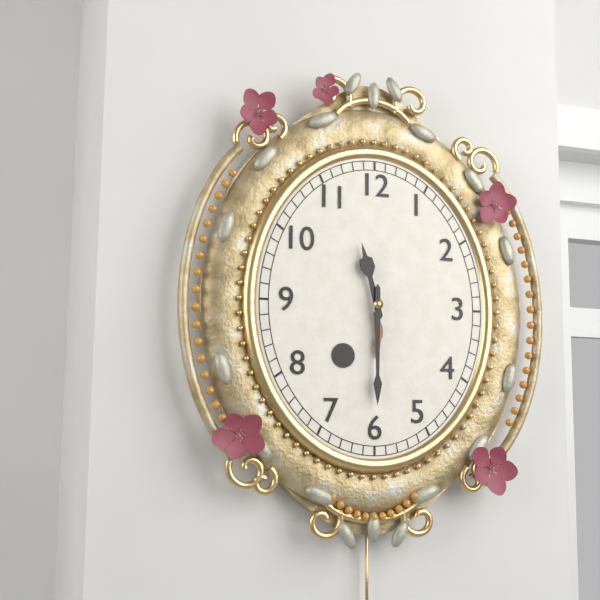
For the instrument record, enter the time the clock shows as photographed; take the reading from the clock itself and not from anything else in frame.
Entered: 11:30
